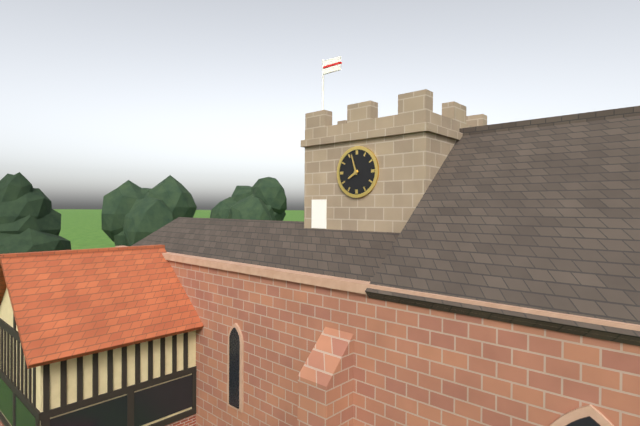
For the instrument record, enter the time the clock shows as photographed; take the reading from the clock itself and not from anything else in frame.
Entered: 7:57
